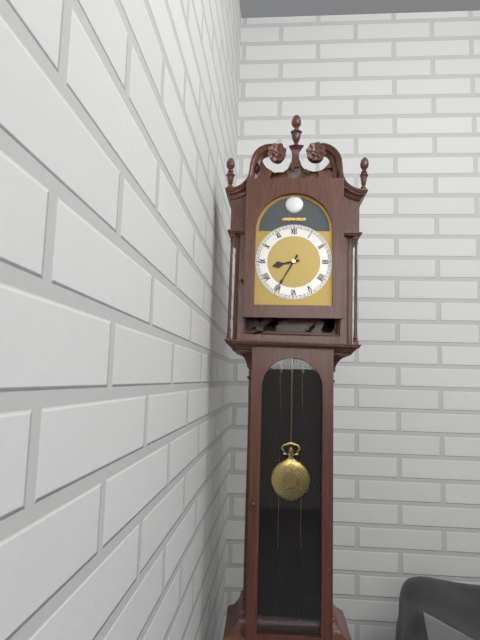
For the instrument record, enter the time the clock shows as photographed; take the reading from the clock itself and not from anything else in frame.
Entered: 8:35
